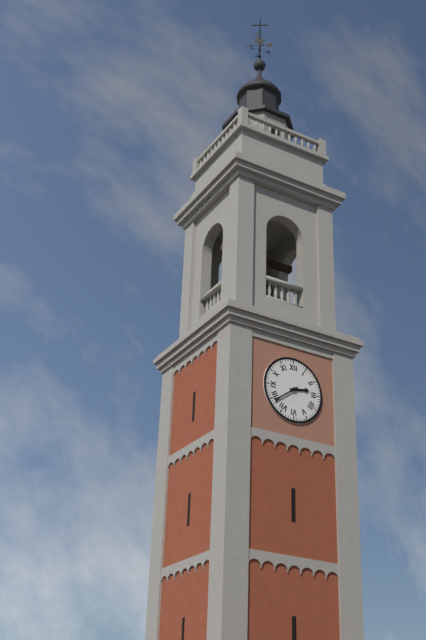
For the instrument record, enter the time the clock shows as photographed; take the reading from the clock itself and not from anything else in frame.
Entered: 2:39
